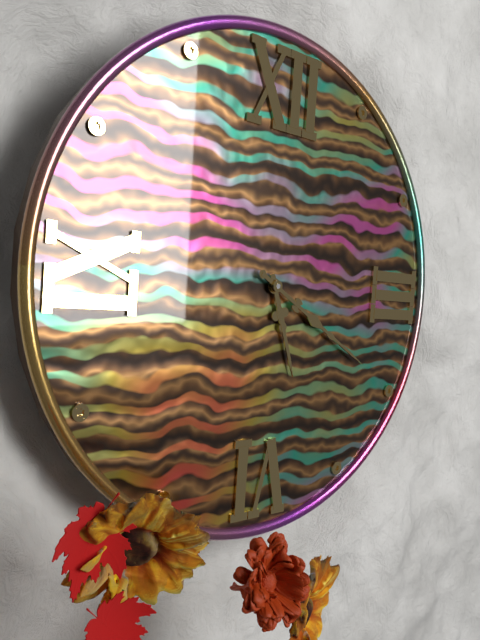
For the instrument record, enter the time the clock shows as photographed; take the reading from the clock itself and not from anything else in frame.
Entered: 5:20
